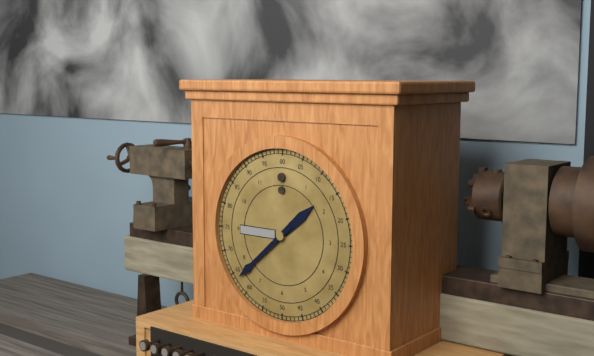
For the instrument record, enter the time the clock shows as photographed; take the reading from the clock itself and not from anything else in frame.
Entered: 1:38
